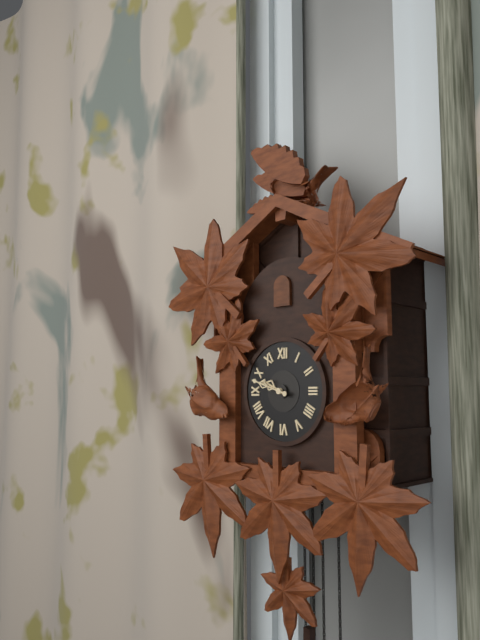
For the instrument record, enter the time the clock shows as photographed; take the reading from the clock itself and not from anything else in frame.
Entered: 9:48
